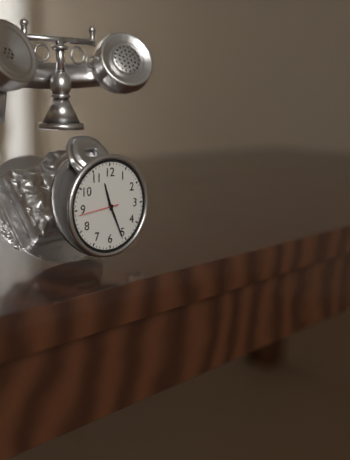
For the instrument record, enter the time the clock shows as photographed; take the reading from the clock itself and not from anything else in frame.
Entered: 11:26
